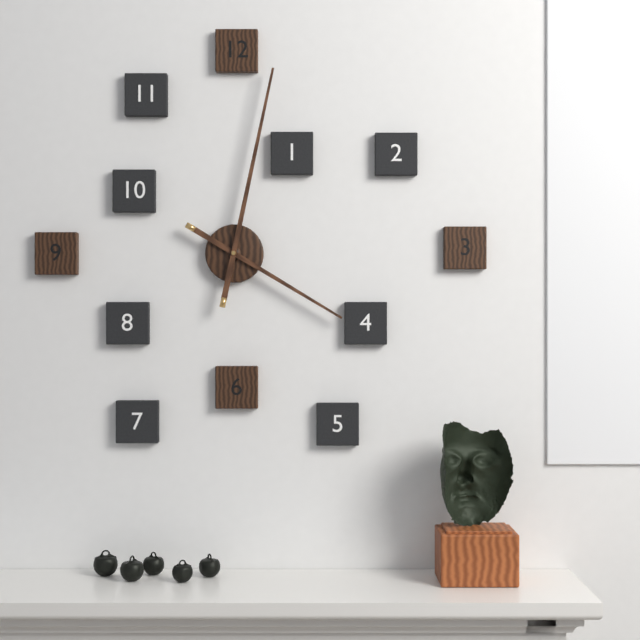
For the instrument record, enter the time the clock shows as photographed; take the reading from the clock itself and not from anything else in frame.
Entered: 4:02
